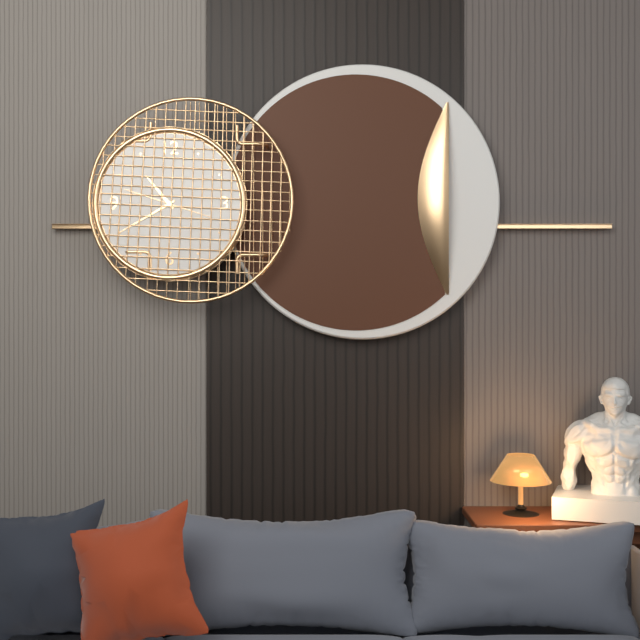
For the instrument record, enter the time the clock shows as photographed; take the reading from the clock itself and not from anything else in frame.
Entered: 10:40:48
